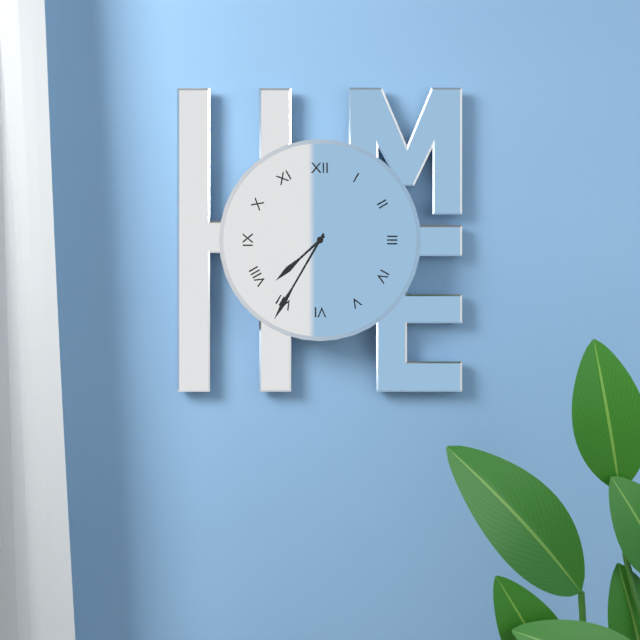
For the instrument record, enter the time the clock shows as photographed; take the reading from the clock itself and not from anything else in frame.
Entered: 7:35
